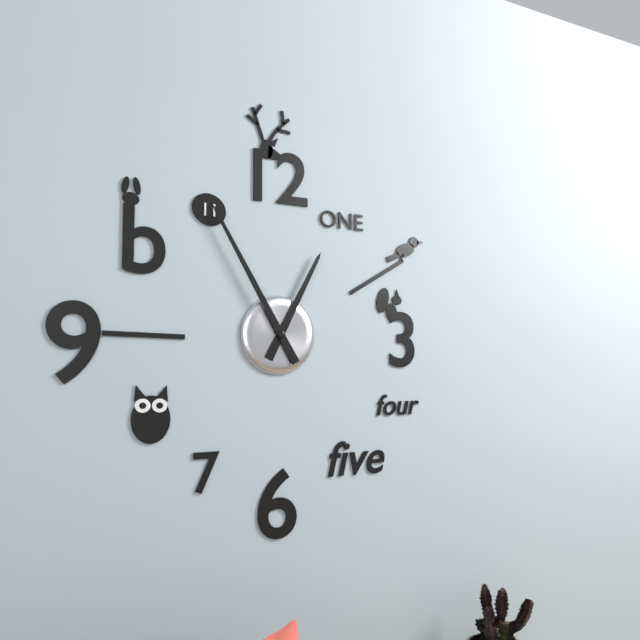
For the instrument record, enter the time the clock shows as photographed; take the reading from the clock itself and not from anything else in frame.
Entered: 12:55
